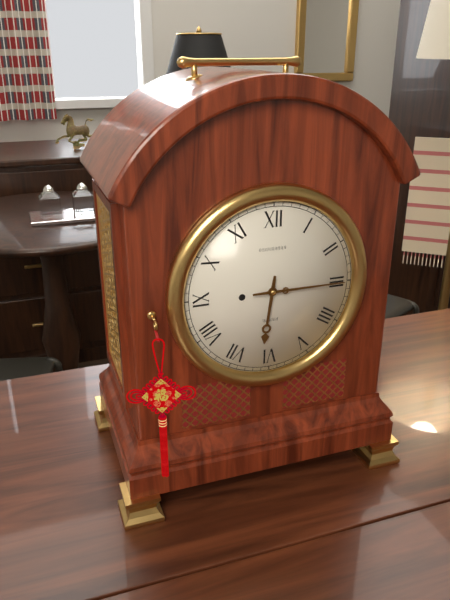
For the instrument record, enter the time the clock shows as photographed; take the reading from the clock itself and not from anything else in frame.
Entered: 6:15
